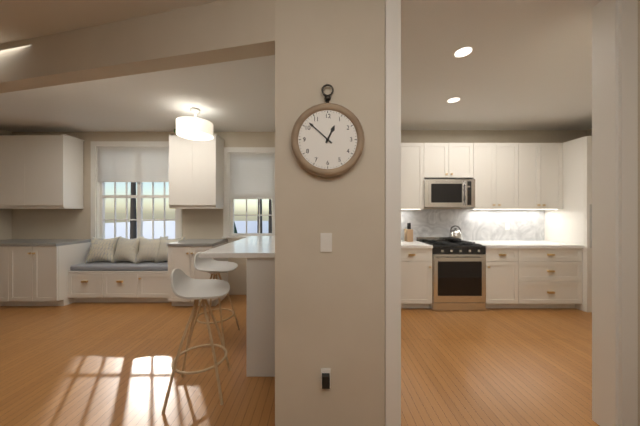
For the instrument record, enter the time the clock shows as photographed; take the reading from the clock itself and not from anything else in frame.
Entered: 12:52
